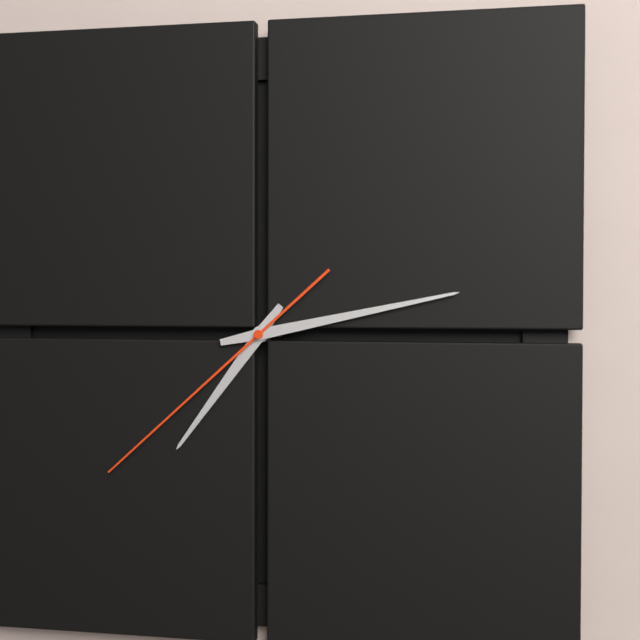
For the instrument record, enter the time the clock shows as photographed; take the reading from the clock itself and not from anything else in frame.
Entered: 7:13:38
